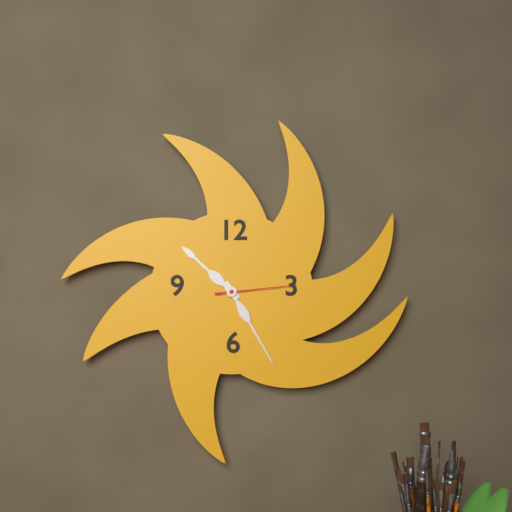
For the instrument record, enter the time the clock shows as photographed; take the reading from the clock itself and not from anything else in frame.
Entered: 10:25:14
